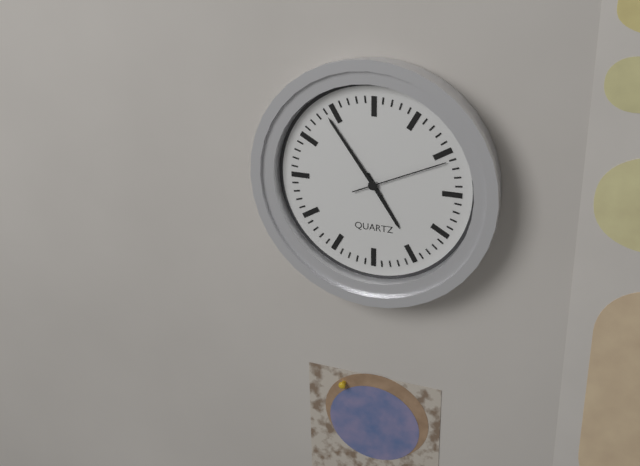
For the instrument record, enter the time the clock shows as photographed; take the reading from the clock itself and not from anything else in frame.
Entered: 4:54:11
